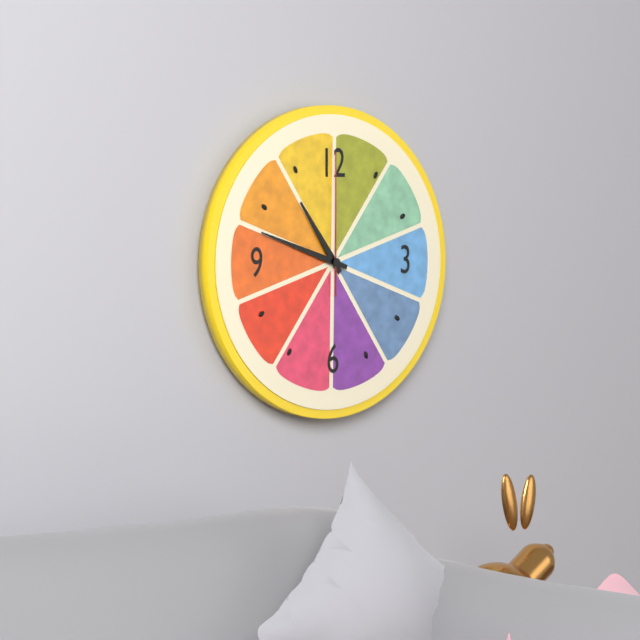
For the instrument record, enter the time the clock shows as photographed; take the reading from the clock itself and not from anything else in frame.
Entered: 10:48:00
